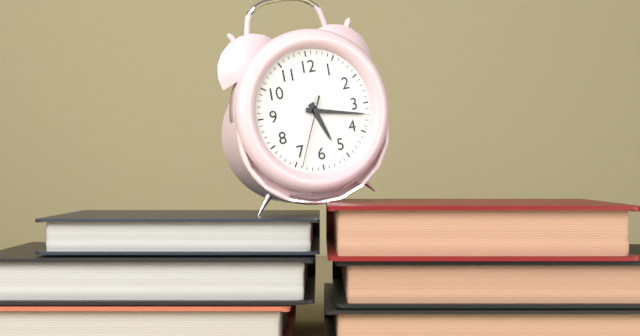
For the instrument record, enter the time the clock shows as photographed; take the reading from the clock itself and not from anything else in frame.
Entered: 5:17:34
